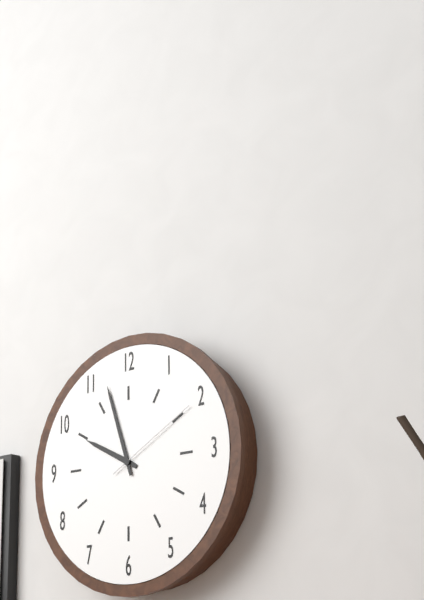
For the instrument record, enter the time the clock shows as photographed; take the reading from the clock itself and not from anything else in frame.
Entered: 9:57:10
